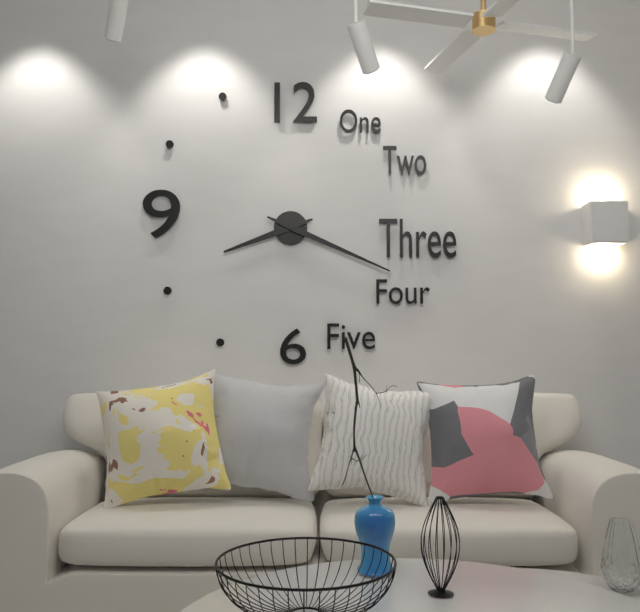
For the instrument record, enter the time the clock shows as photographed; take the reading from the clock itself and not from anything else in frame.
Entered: 8:19
